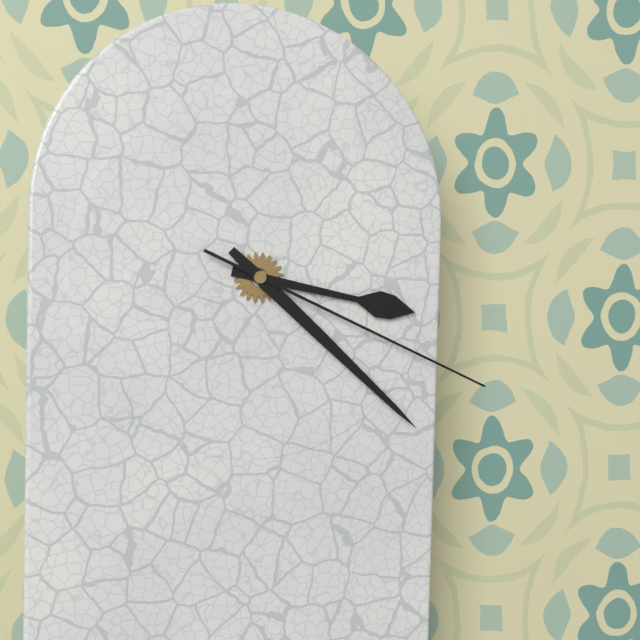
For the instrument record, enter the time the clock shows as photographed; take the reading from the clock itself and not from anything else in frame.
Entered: 3:22:19
